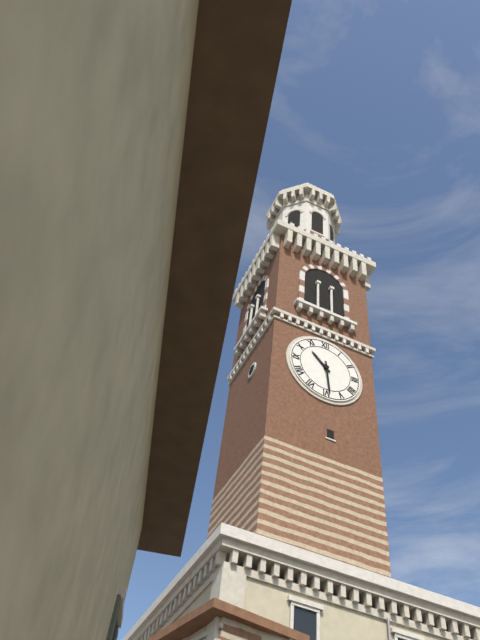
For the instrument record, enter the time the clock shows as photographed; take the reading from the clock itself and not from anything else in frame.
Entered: 10:29
